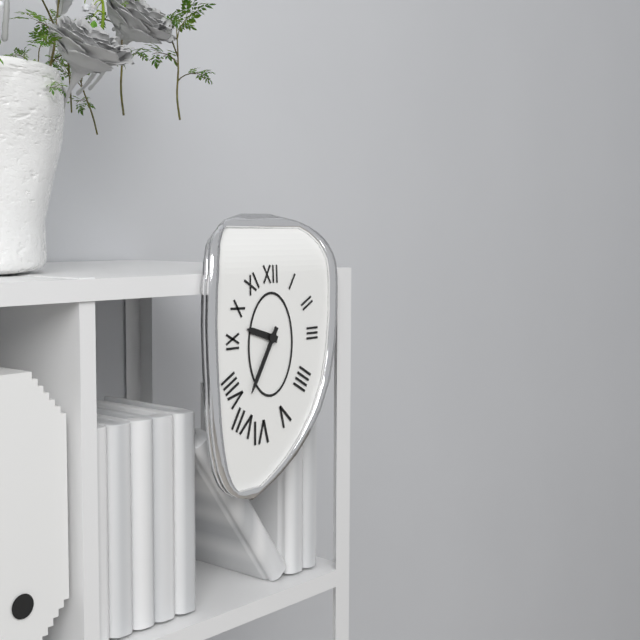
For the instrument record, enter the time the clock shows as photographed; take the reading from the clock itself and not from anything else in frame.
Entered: 9:35
